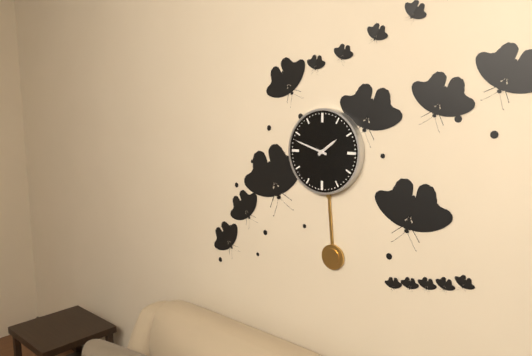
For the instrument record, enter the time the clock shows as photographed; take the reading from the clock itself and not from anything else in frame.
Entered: 1:48
